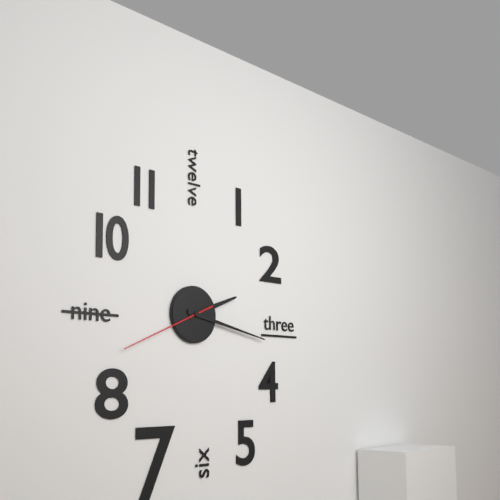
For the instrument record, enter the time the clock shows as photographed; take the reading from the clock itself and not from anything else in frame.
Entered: 2:17:41
